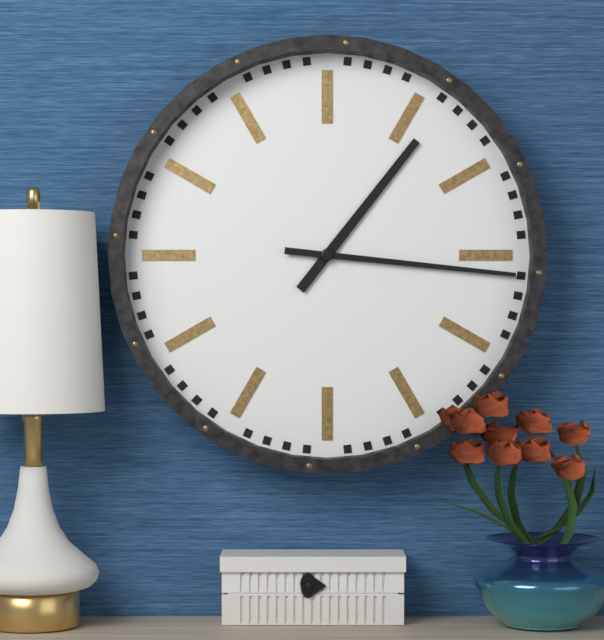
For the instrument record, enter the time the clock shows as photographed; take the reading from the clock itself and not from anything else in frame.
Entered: 1:16
